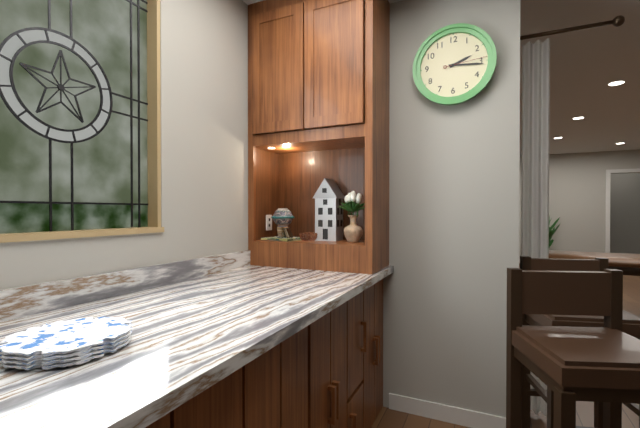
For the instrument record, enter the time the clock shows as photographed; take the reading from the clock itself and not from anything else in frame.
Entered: 2:16
